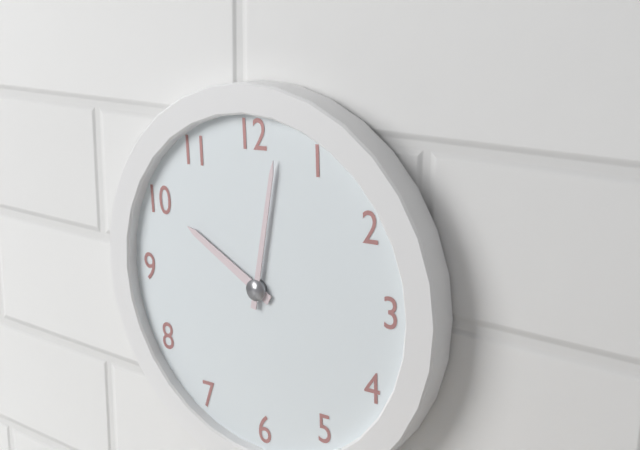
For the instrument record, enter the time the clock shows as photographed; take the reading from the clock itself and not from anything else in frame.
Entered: 10:02
